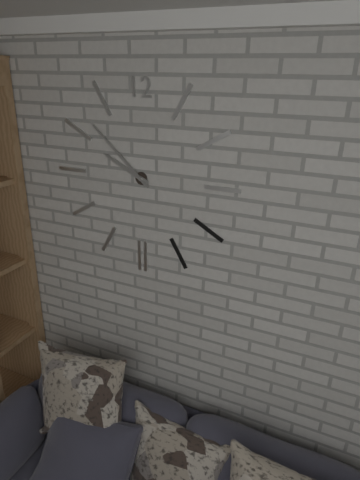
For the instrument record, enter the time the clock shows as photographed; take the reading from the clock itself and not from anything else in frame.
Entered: 9:52
